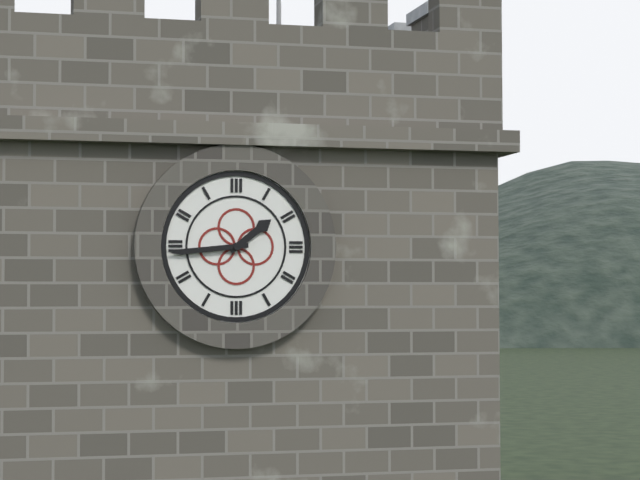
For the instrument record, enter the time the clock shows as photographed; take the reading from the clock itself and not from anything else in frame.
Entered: 1:44
